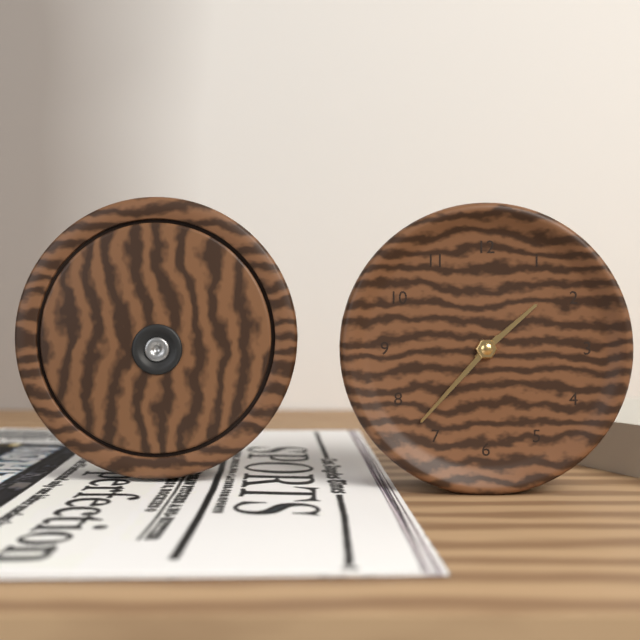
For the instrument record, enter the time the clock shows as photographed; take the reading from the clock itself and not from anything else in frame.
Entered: 1:37
